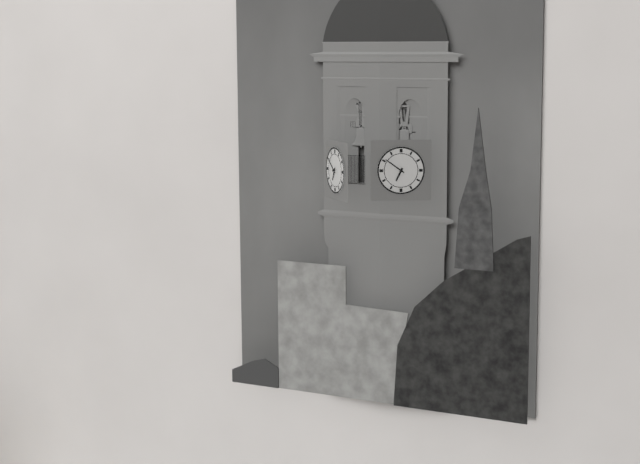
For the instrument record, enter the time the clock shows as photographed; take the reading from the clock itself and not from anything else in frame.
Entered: 6:51
